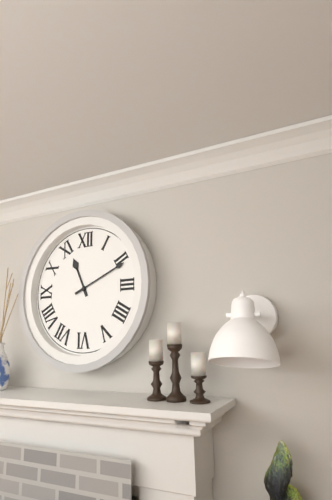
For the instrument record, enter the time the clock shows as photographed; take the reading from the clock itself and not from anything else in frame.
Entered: 11:11
